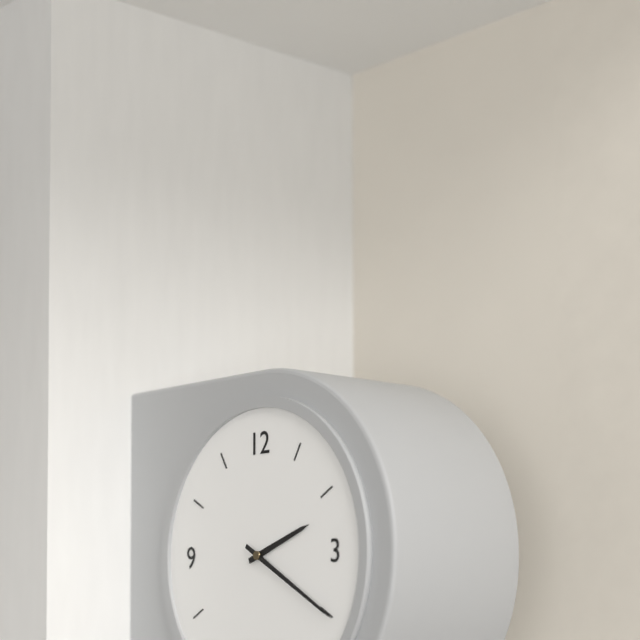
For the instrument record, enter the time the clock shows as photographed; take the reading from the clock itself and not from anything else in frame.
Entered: 2:20
